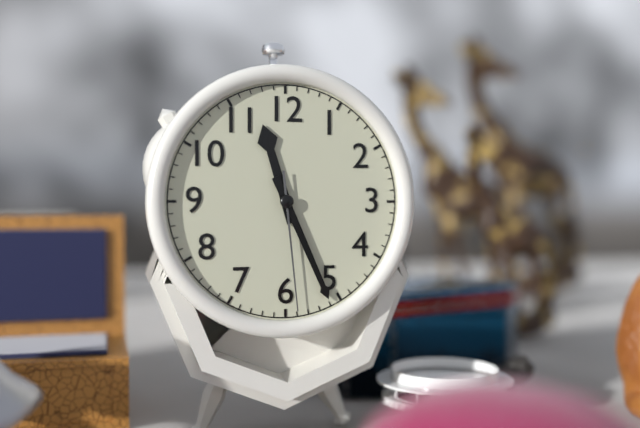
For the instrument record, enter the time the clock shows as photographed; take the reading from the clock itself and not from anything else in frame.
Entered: 11:26:29
